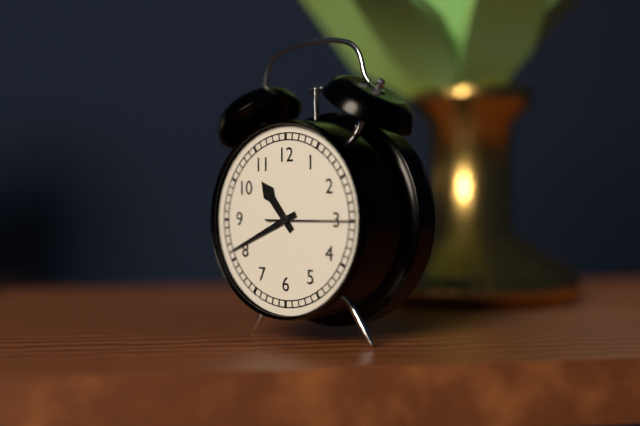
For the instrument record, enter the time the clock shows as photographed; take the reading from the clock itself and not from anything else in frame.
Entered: 10:41:15
